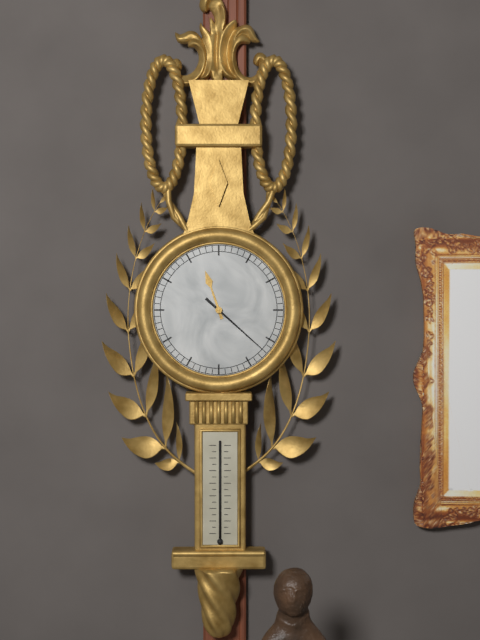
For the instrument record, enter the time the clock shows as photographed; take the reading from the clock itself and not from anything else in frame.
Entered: 11:22
